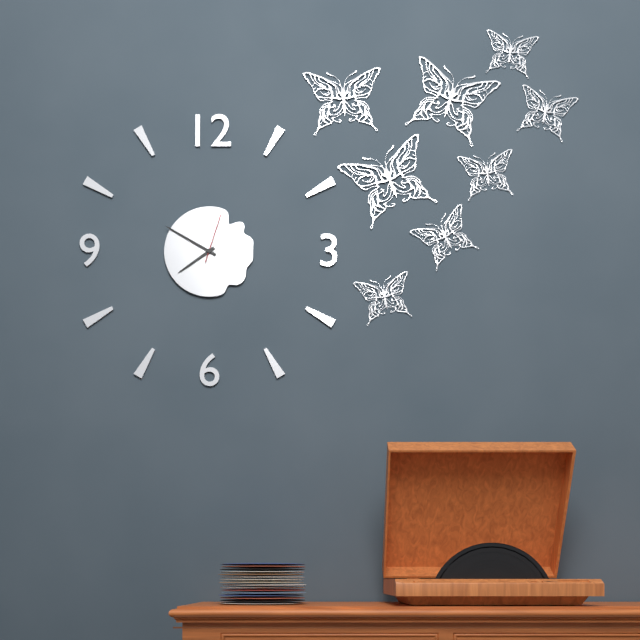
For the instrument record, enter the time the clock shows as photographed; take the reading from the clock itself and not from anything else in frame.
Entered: 7:50:03
